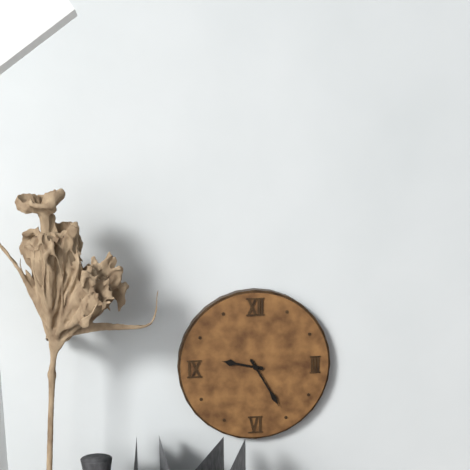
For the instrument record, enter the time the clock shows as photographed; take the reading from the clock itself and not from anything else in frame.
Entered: 9:25
